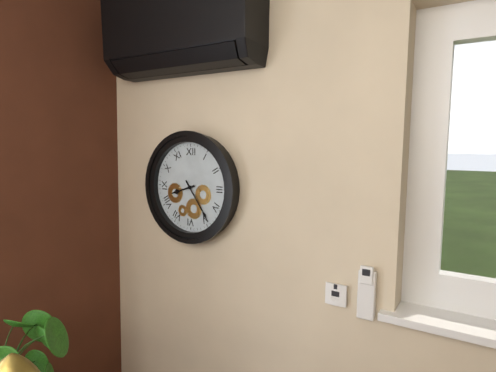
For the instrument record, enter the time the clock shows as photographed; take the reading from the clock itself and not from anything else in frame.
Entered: 8:24
